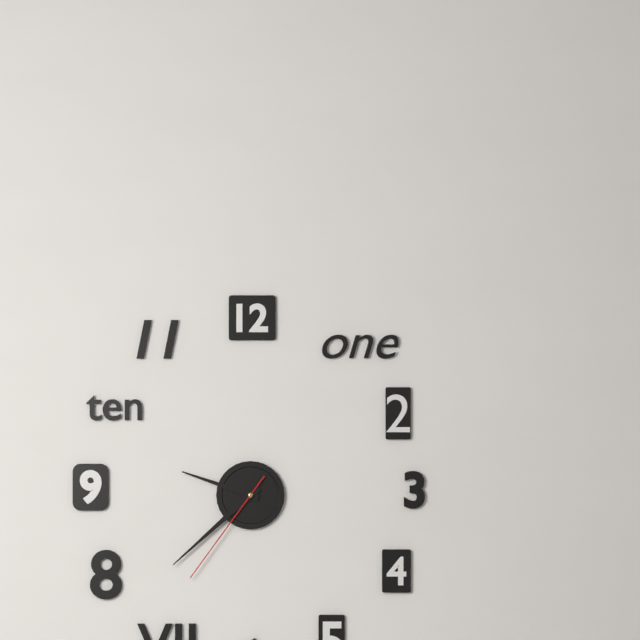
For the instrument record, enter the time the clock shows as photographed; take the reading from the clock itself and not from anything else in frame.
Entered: 9:38:36
